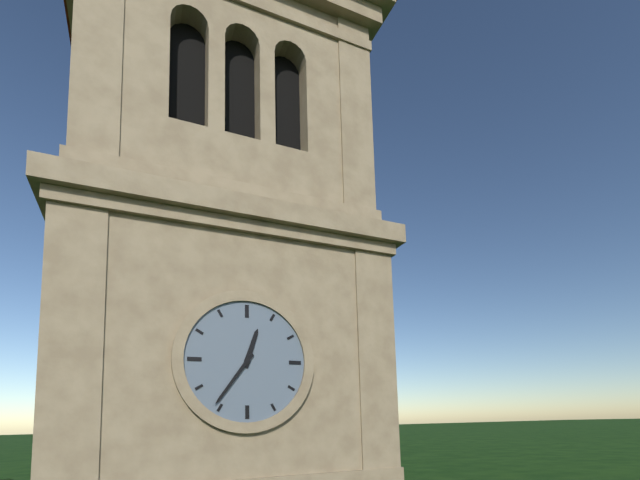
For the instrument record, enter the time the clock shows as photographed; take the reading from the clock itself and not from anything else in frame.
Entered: 12:36
